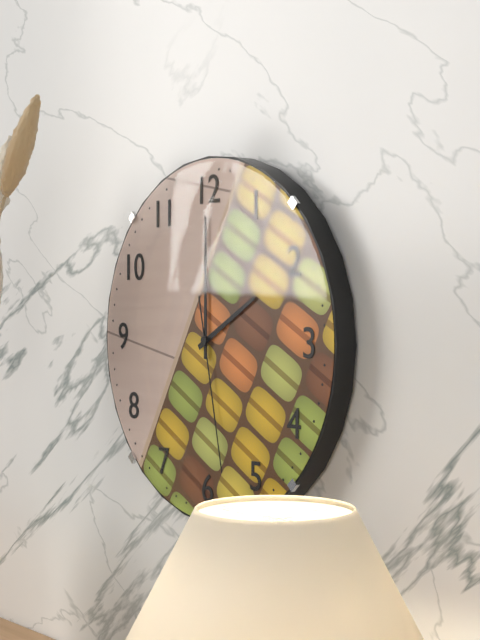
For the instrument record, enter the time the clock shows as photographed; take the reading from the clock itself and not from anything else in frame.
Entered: 2:00:28
